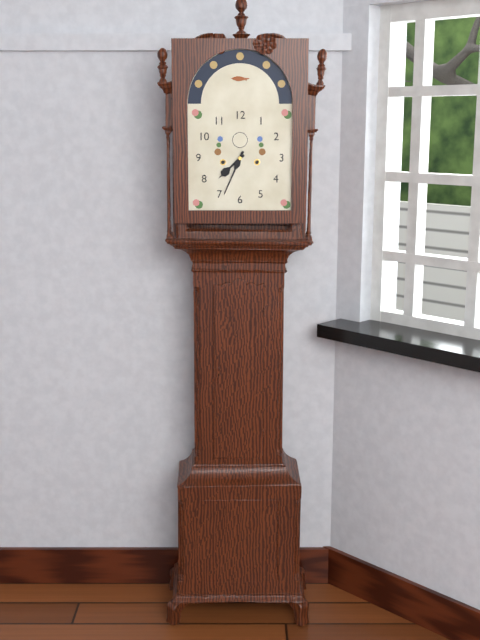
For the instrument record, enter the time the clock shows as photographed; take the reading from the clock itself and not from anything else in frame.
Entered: 7:34
